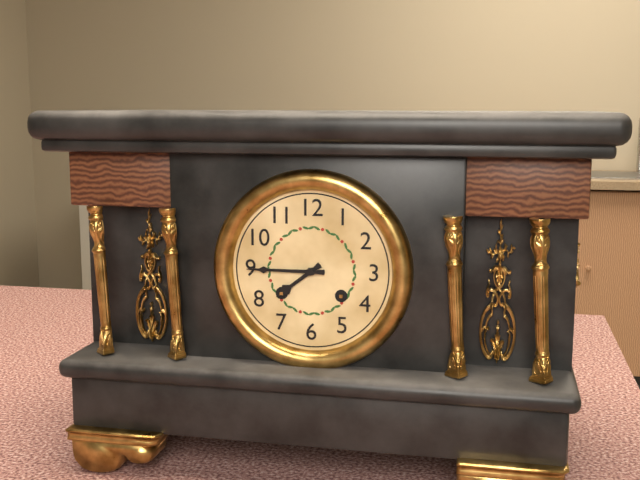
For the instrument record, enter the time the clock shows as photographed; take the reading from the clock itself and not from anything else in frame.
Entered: 7:45
